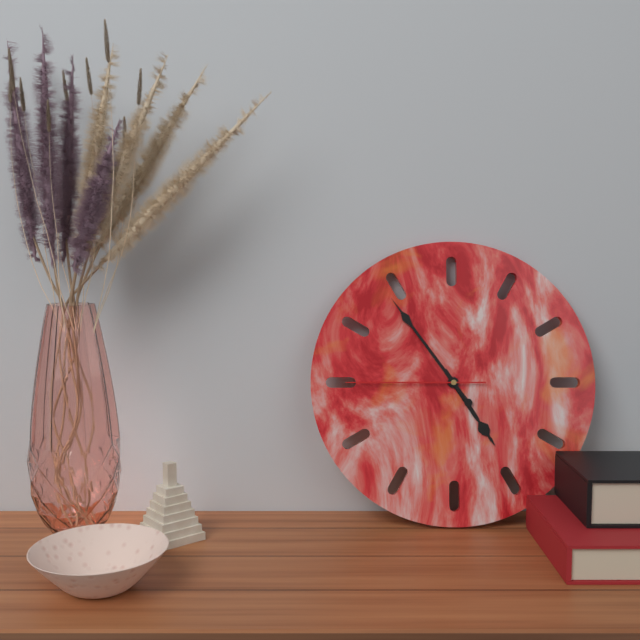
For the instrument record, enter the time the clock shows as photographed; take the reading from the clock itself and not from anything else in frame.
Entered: 4:54:45
